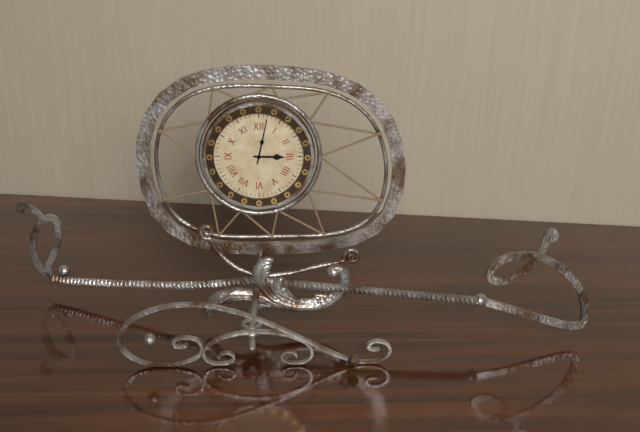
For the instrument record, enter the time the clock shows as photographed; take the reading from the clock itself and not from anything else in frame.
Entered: 3:02
